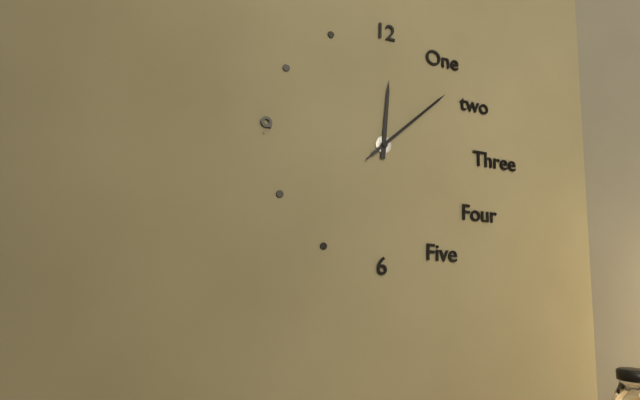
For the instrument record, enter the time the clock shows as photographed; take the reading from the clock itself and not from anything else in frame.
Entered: 12:08:08
